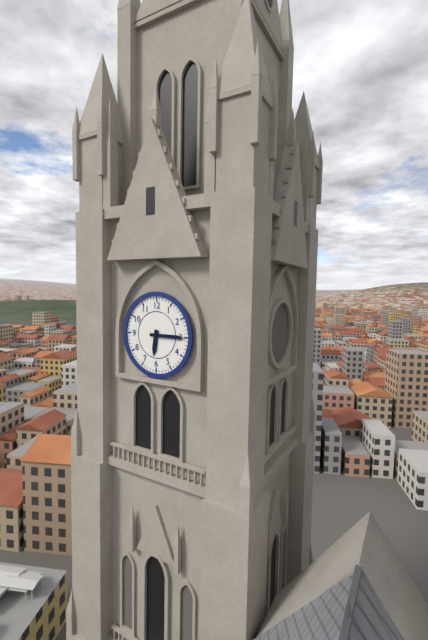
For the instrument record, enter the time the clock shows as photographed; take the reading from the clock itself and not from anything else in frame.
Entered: 6:15
